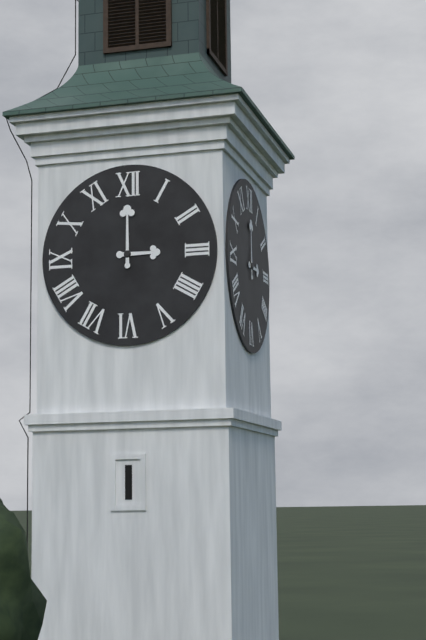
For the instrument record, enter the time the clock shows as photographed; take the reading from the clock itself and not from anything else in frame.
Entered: 3:00
